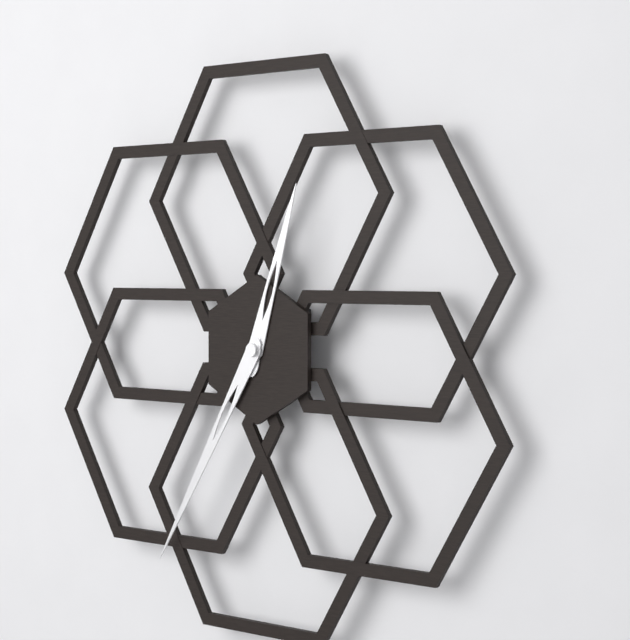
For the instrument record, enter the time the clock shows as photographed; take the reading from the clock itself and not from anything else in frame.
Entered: 12:35
